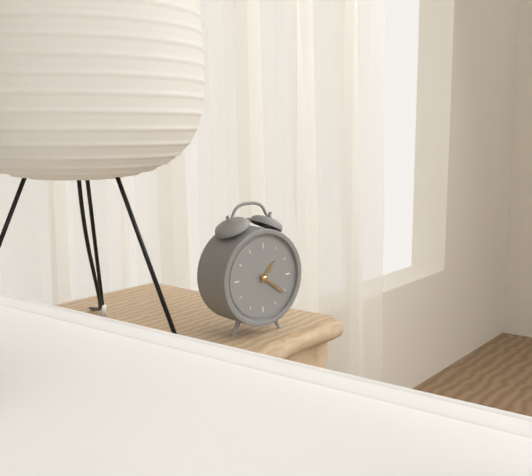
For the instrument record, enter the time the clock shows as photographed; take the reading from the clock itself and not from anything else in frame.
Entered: 1:21
